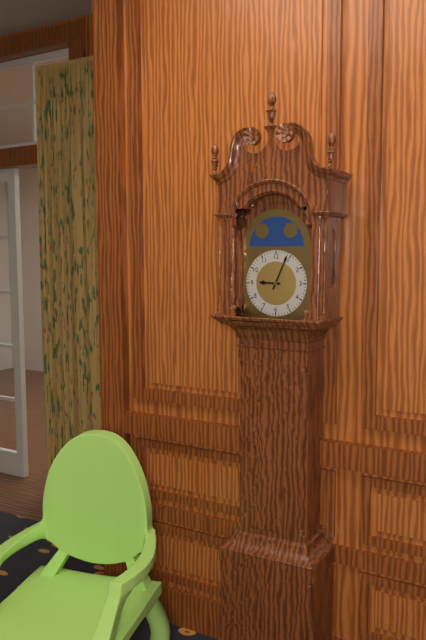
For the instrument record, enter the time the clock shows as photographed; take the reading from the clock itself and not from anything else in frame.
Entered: 9:04
